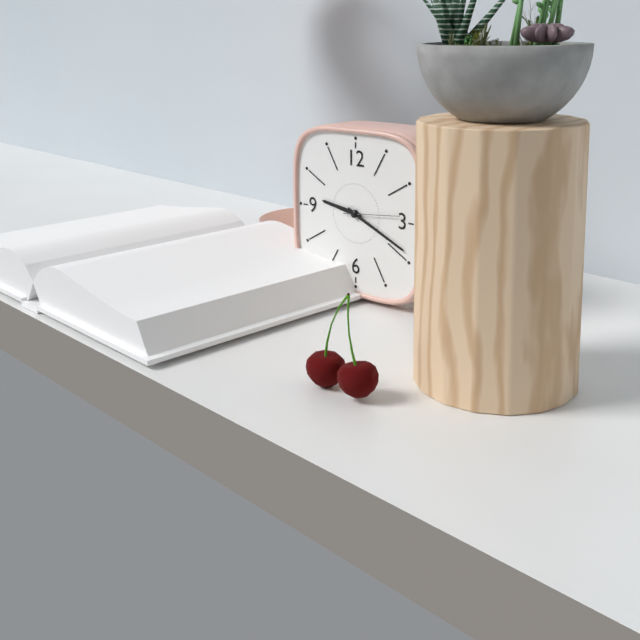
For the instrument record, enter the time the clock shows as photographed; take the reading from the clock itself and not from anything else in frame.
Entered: 9:19:14
